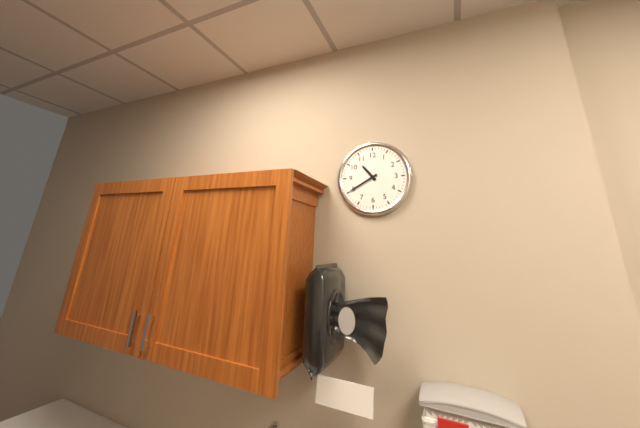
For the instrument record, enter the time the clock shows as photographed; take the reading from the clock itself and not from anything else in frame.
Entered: 10:40
